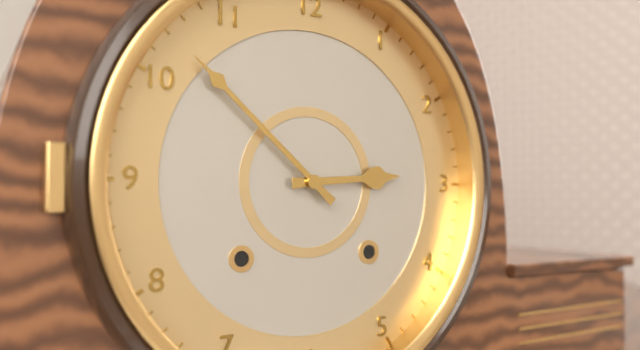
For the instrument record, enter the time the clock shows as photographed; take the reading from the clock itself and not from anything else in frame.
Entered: 2:52
